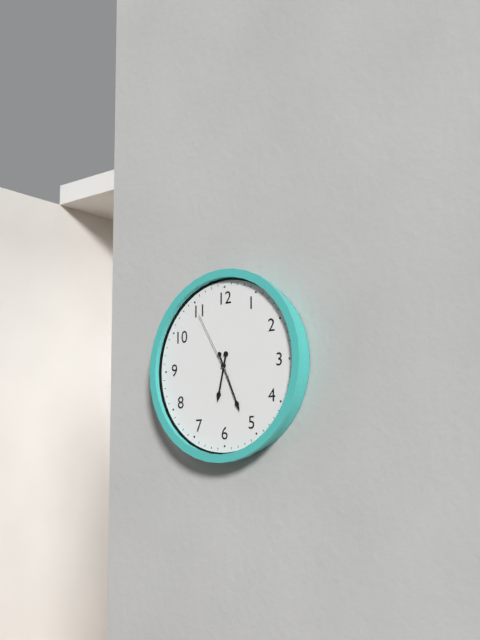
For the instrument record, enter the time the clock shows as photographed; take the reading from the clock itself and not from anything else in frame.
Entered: 6:26:55
